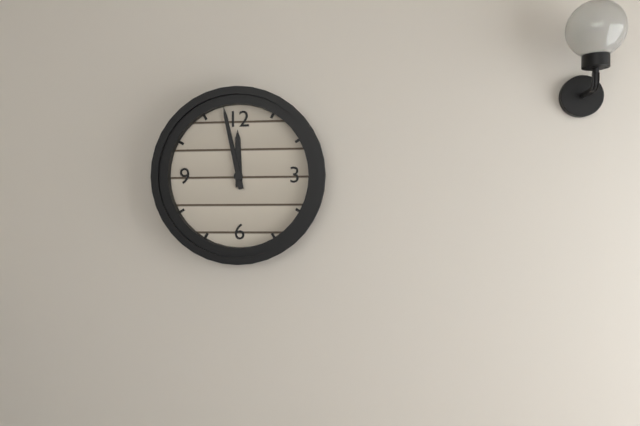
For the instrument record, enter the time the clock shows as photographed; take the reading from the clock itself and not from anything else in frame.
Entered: 11:58
